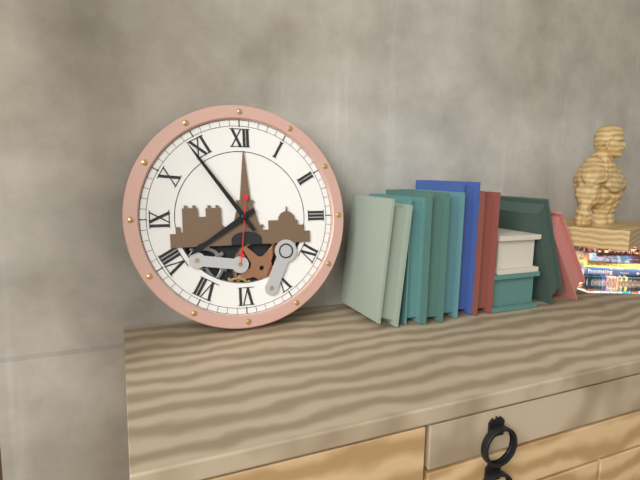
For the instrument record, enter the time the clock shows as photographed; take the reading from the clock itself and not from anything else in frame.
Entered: 7:54:31
